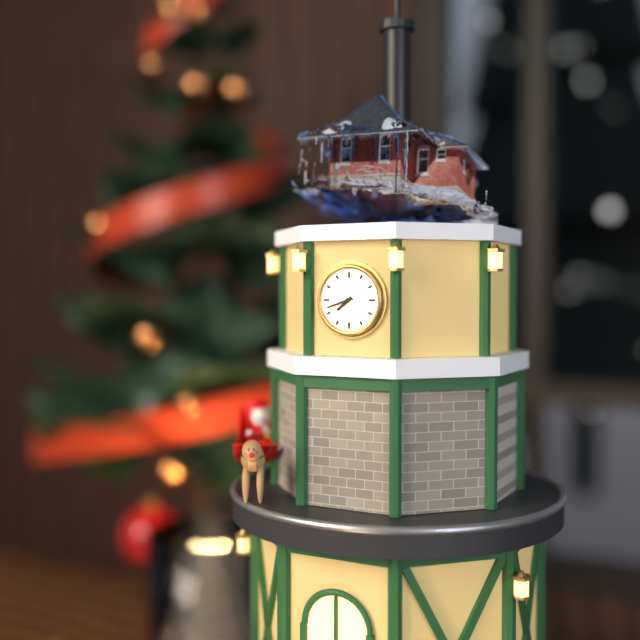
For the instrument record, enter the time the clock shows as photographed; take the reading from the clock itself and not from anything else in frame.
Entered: 7:42
